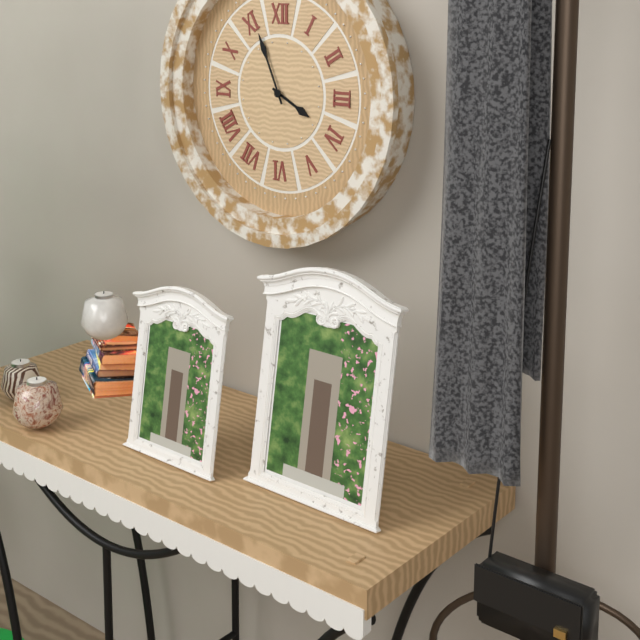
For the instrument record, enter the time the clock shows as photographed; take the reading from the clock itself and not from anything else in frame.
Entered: 3:56
